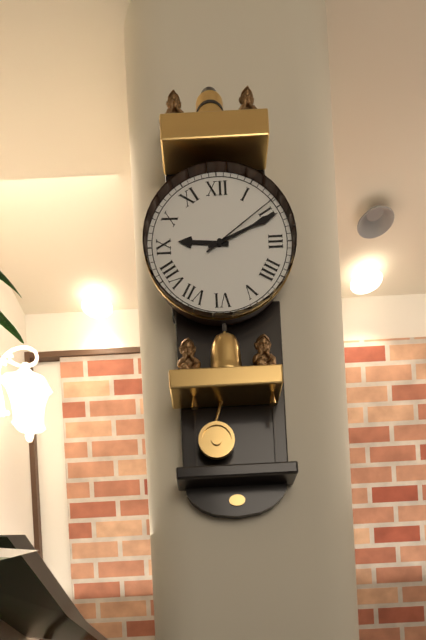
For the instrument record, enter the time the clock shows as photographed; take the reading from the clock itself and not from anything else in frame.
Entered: 9:11:09
